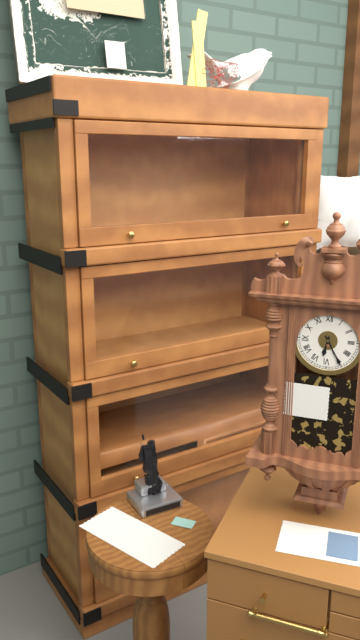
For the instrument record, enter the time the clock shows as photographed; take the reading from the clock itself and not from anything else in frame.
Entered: 6:25
